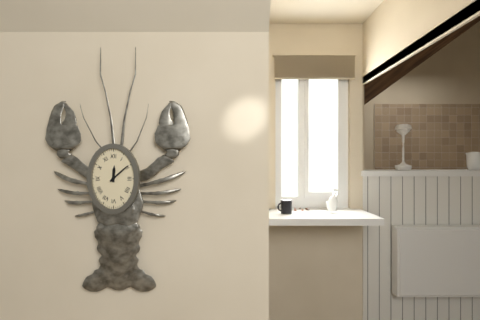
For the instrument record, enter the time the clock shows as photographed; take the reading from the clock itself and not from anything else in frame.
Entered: 12:08
